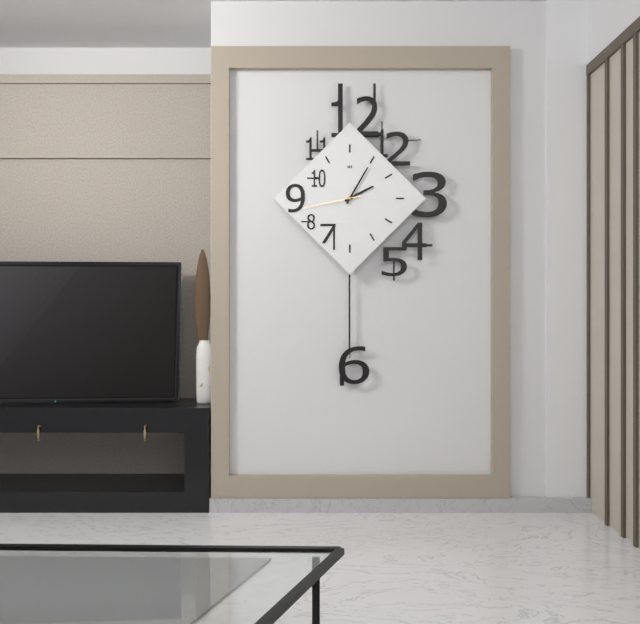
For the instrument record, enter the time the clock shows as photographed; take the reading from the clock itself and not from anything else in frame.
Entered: 2:05:43
